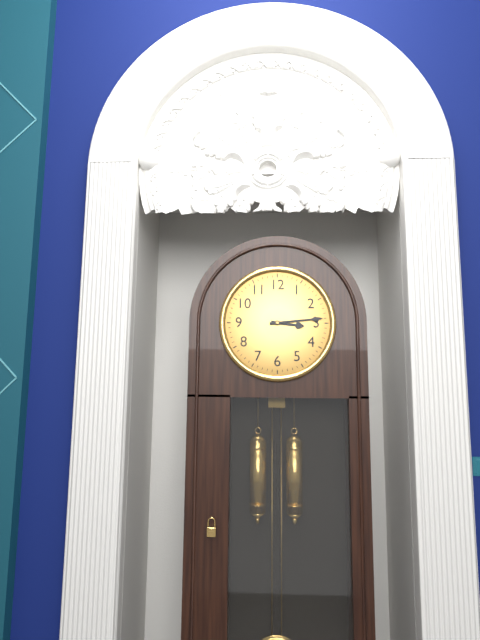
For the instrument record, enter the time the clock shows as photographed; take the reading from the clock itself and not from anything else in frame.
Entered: 3:14
